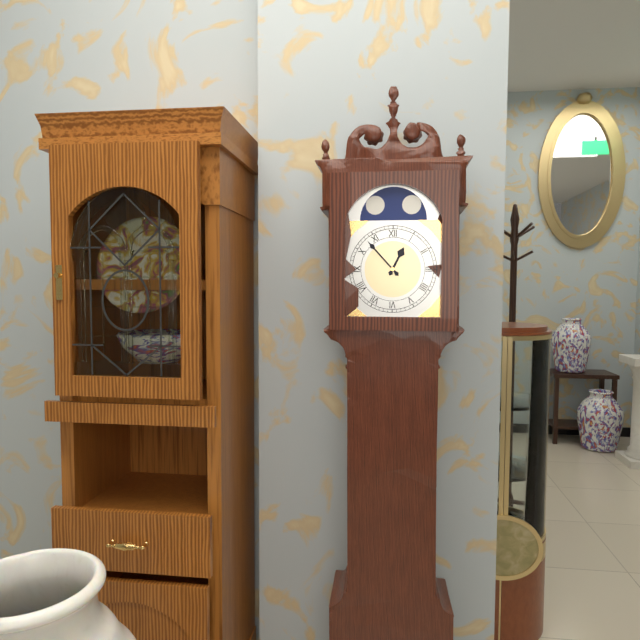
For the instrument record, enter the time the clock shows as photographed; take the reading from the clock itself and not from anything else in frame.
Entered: 12:53
